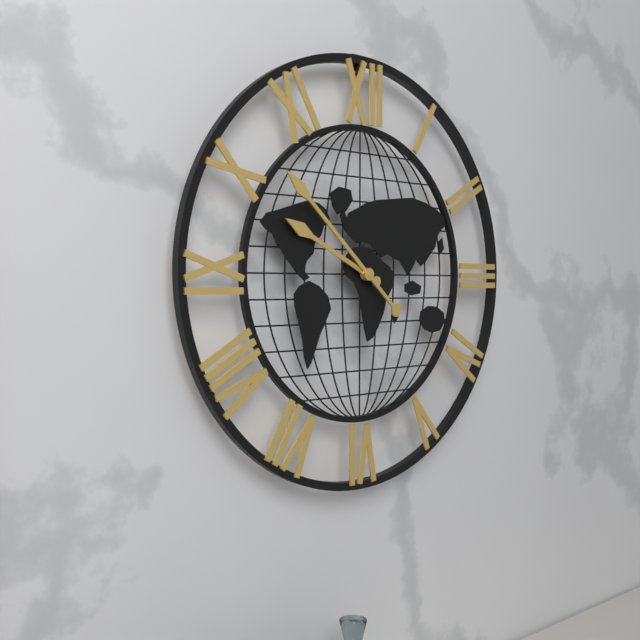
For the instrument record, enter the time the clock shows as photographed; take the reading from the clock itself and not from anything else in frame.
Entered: 9:52
